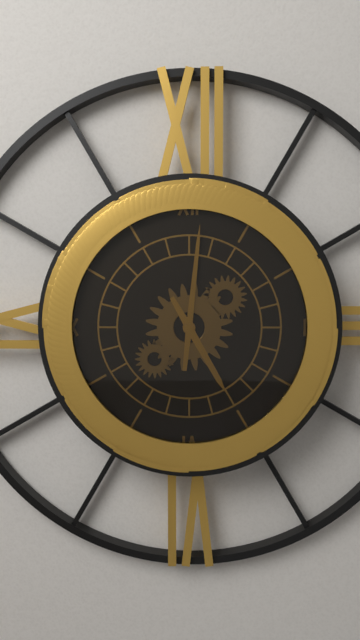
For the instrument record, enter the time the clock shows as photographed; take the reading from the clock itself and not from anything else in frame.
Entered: 5:01
